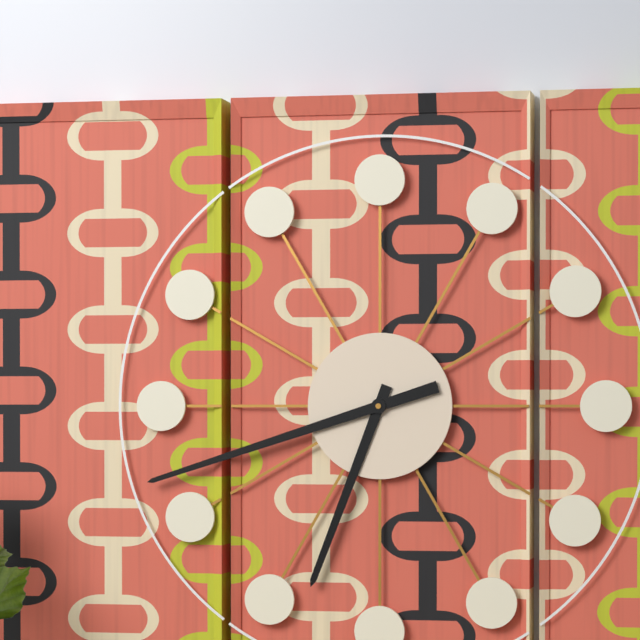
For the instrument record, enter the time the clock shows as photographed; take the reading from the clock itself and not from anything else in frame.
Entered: 6:42
